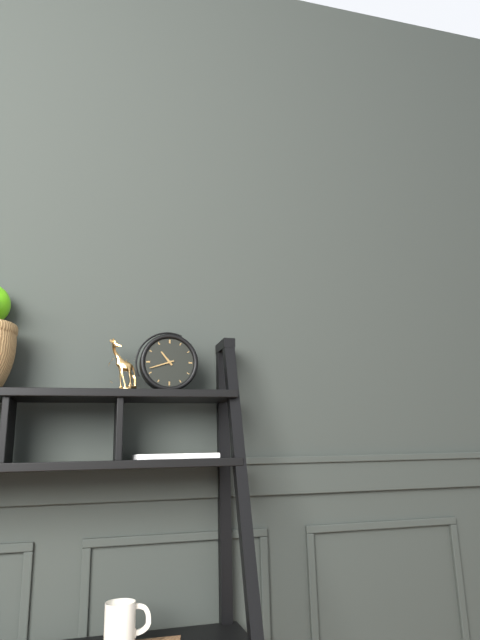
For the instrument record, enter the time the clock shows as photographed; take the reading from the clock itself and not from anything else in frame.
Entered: 10:42
